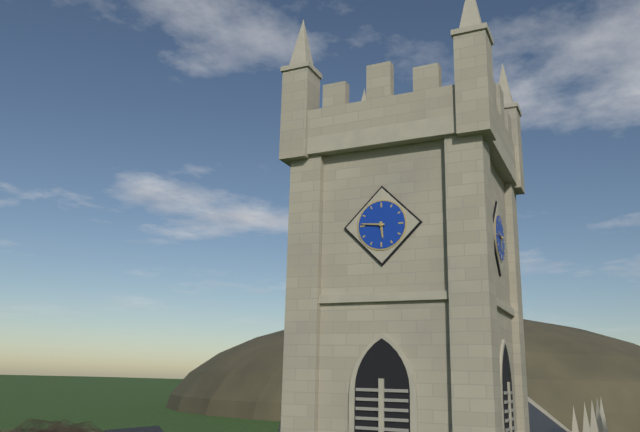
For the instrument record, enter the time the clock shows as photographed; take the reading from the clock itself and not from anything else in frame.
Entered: 5:46
